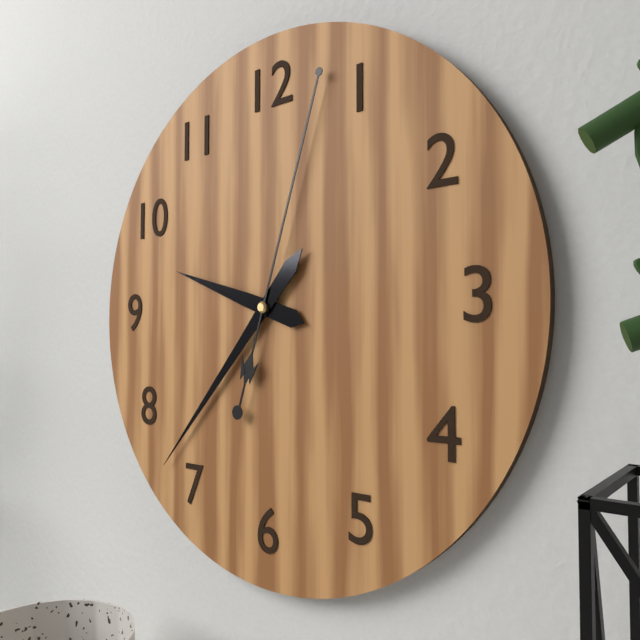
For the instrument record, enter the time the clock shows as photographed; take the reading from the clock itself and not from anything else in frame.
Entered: 9:37:03
